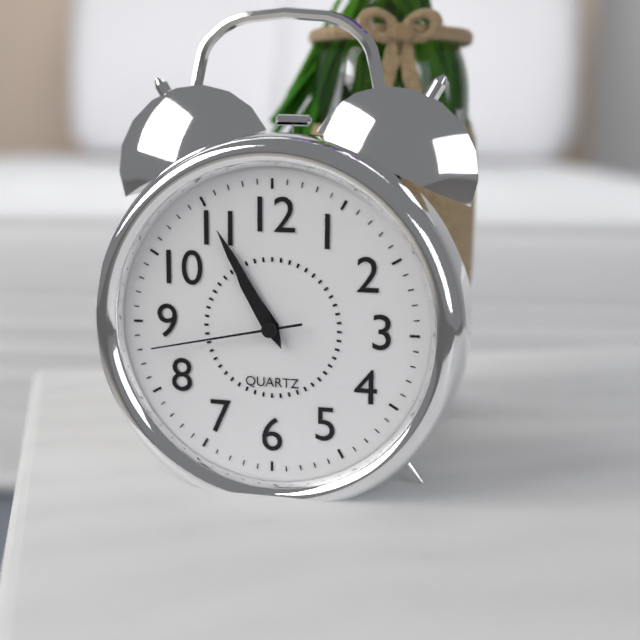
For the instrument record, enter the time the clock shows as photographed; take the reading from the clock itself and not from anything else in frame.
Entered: 10:55:43
